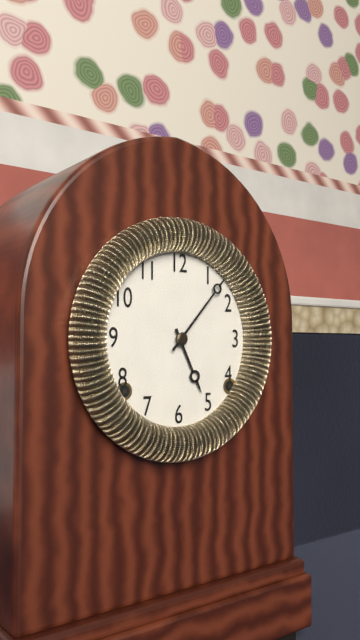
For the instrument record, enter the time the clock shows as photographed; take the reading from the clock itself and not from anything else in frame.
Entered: 5:07
